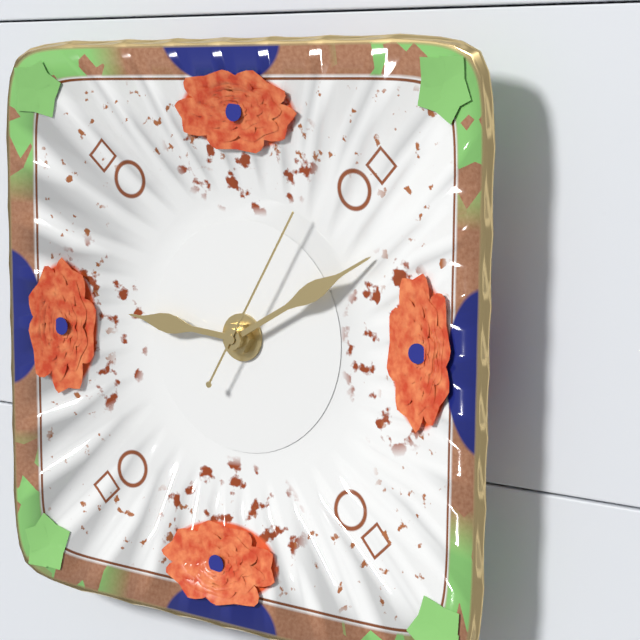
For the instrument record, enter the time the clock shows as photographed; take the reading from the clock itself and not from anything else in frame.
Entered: 9:10:05
